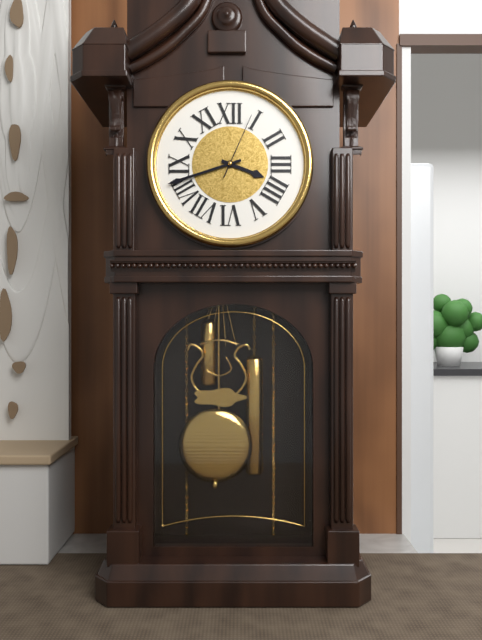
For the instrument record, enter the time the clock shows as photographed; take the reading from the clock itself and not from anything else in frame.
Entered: 3:42:04
